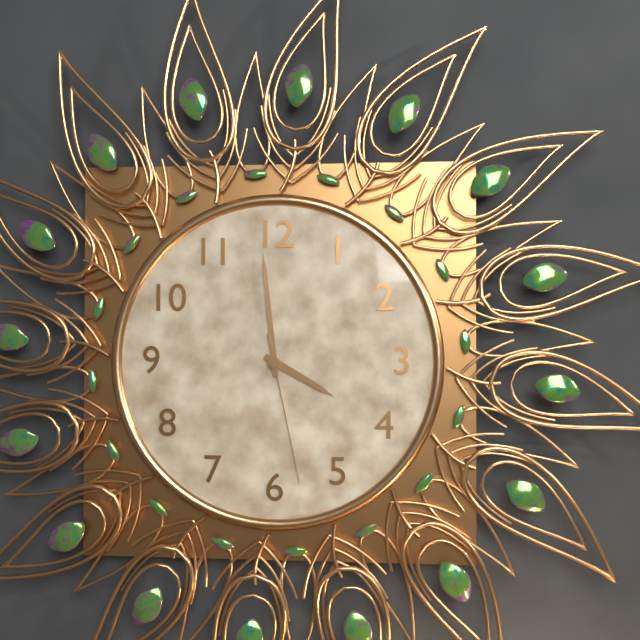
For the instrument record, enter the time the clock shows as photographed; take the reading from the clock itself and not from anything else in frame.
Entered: 3:59:28
